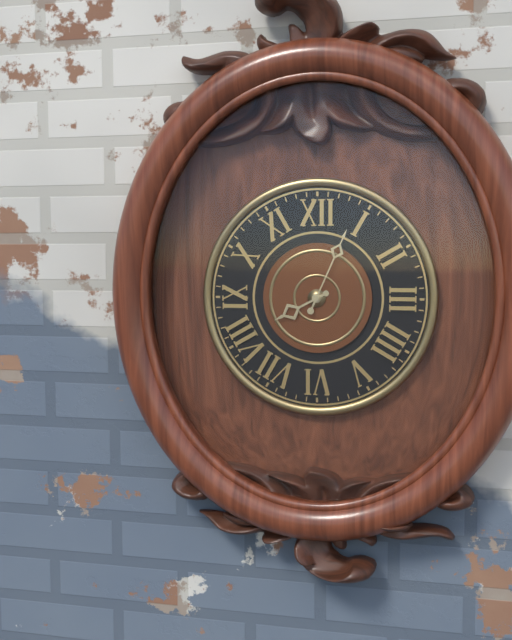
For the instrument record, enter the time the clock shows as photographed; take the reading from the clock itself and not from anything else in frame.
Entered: 8:04
